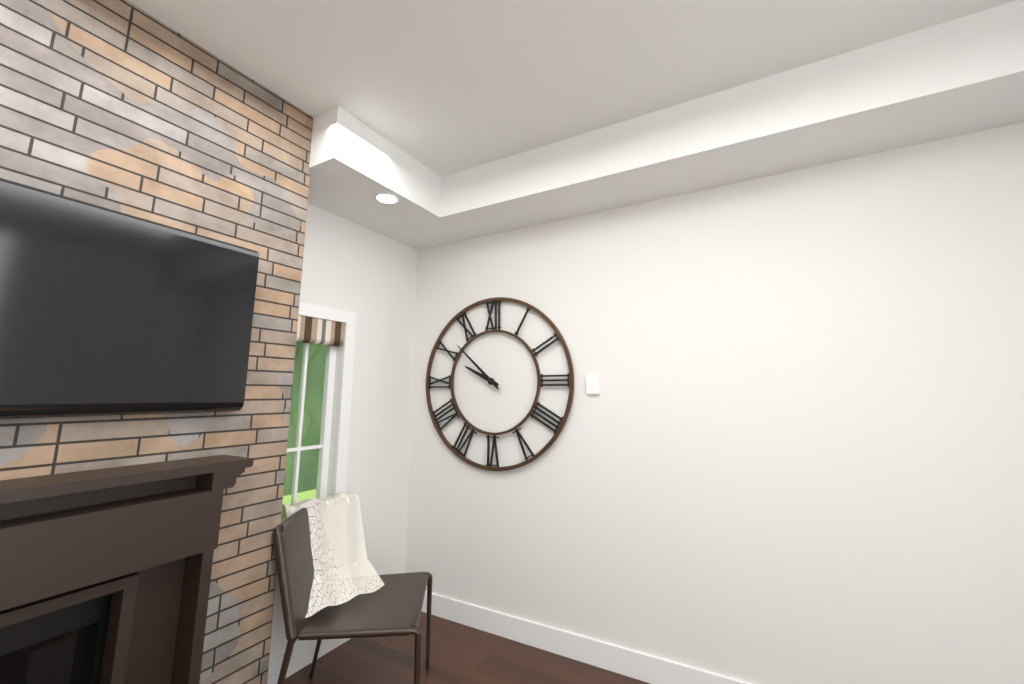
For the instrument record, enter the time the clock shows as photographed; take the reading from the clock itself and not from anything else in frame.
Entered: 9:52
